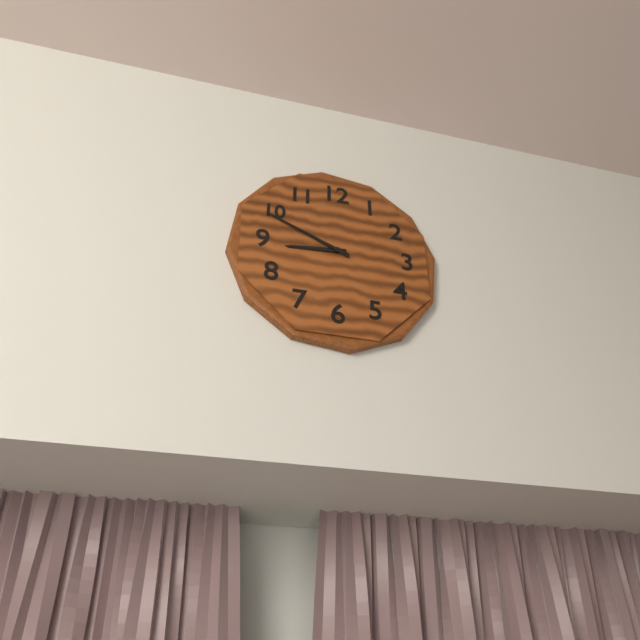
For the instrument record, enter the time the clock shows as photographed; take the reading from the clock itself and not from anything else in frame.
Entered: 8:49
